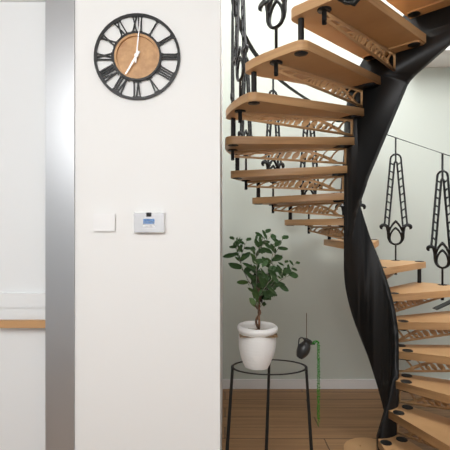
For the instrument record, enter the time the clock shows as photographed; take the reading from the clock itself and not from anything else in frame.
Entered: 7:01
